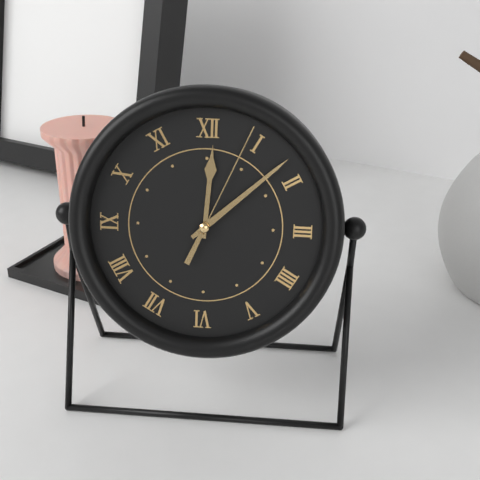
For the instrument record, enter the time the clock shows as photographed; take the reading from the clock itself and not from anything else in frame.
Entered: 12:08:04
